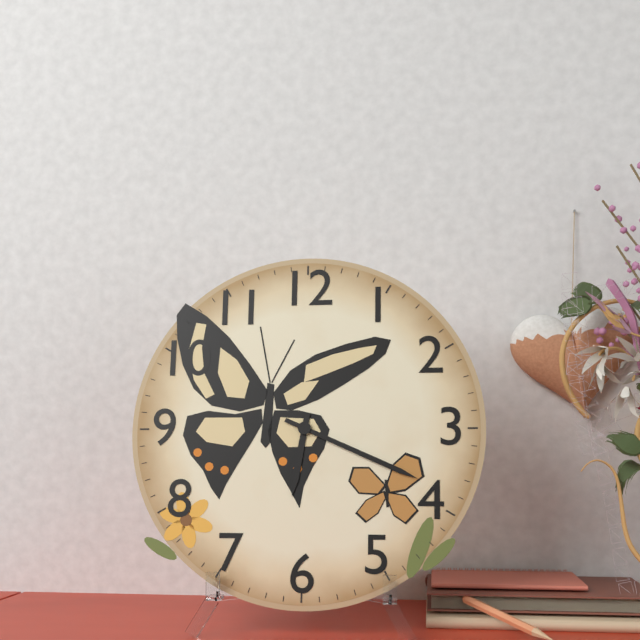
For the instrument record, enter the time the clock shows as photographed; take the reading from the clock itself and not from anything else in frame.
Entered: 6:19
